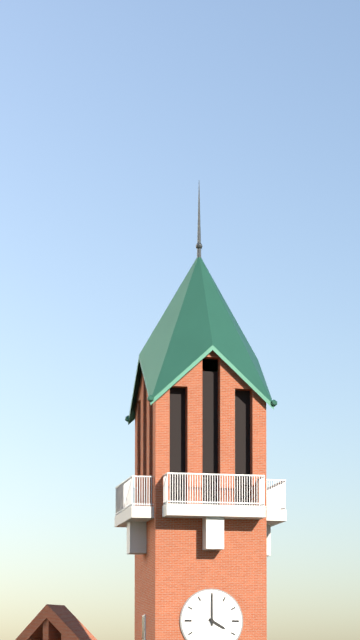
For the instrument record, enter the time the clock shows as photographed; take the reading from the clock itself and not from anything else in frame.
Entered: 4:00
